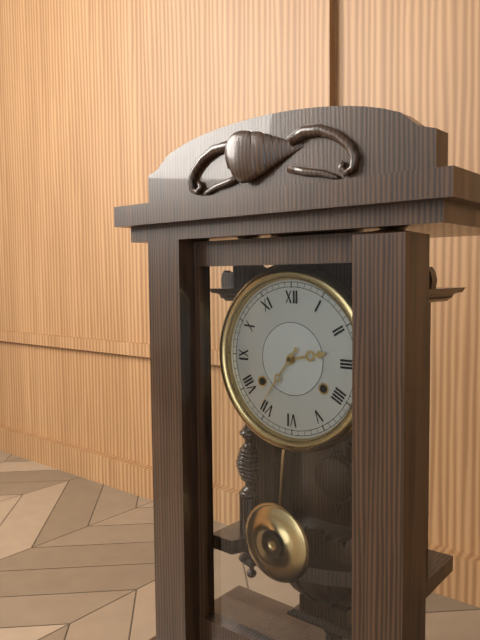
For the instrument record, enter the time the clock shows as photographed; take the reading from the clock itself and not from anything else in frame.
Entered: 2:36
